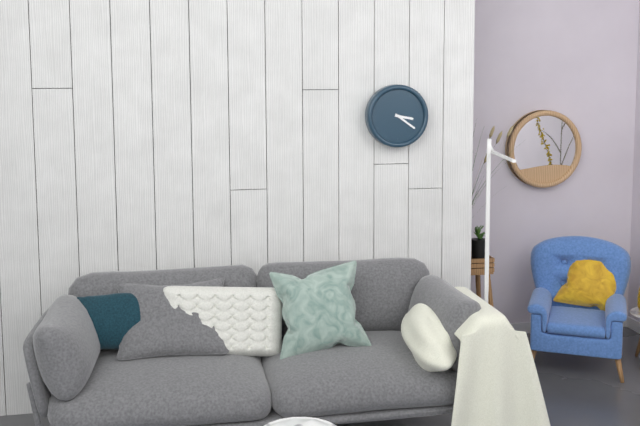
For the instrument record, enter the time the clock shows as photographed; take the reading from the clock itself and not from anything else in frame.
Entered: 3:21
